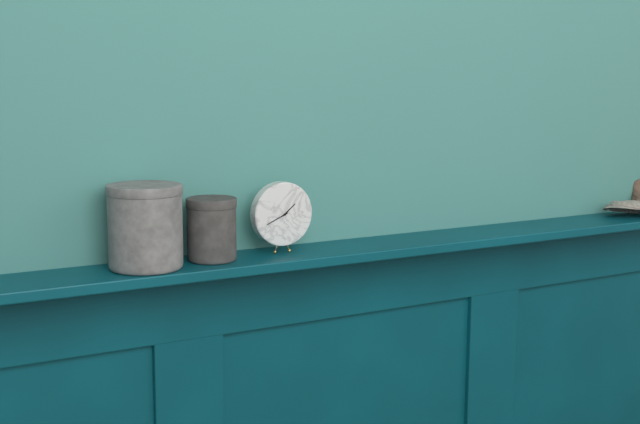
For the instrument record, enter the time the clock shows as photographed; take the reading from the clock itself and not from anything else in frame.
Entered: 1:41
